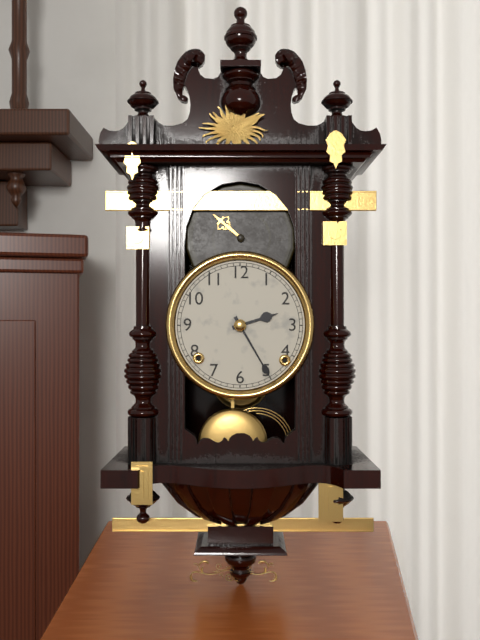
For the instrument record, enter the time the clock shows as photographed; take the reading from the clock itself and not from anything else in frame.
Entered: 2:25
